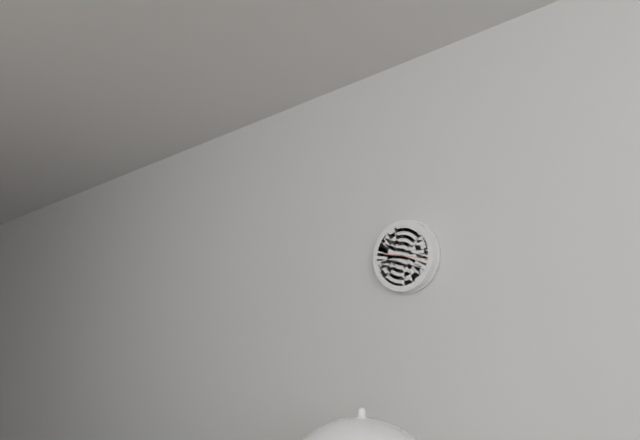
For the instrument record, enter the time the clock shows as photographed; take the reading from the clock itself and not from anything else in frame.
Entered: 9:17
